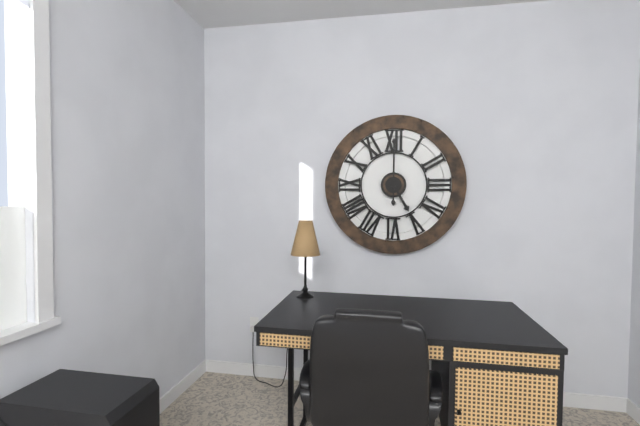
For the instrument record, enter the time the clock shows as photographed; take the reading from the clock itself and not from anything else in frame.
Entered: 5:00
